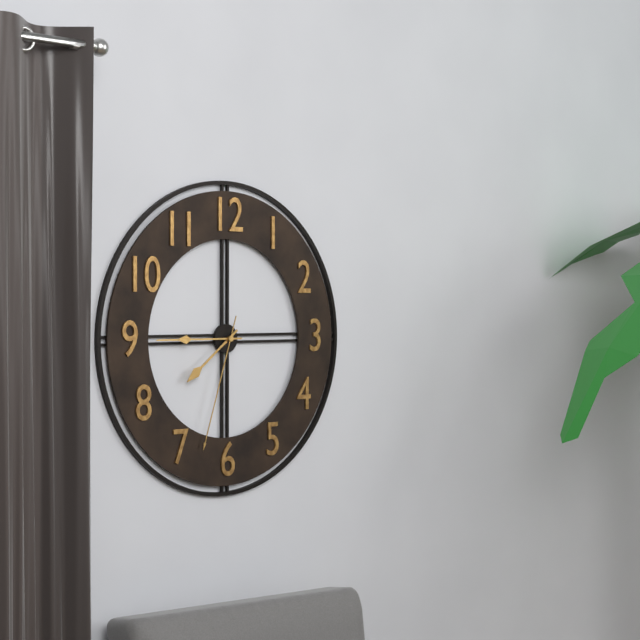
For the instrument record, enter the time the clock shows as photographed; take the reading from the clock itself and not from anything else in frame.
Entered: 7:45:33
